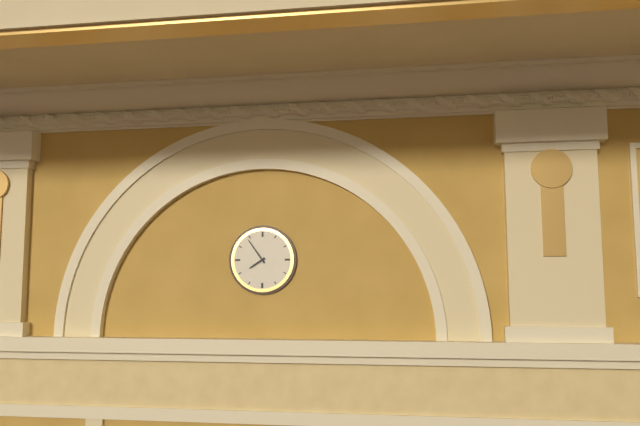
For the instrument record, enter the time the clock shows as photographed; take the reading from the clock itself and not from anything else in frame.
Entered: 7:54
